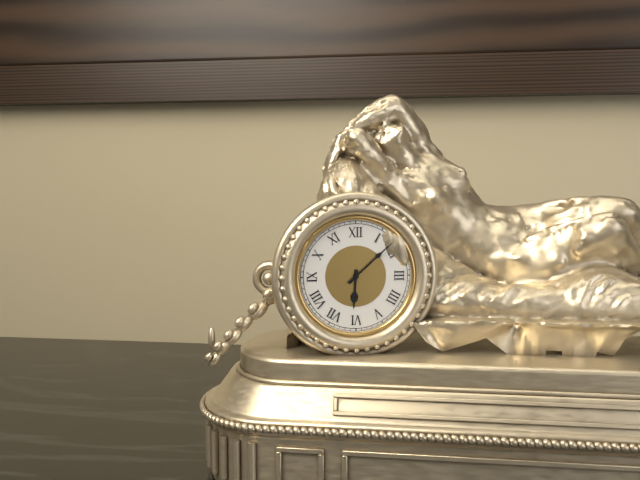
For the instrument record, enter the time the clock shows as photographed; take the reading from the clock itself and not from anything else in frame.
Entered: 6:08
